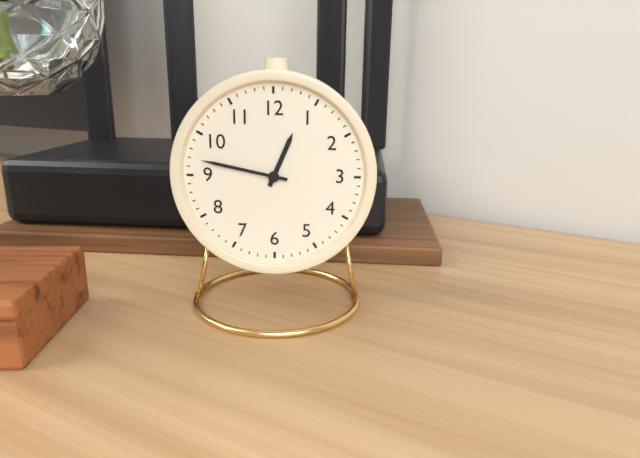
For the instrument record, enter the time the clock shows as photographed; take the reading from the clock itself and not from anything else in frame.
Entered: 12:47
